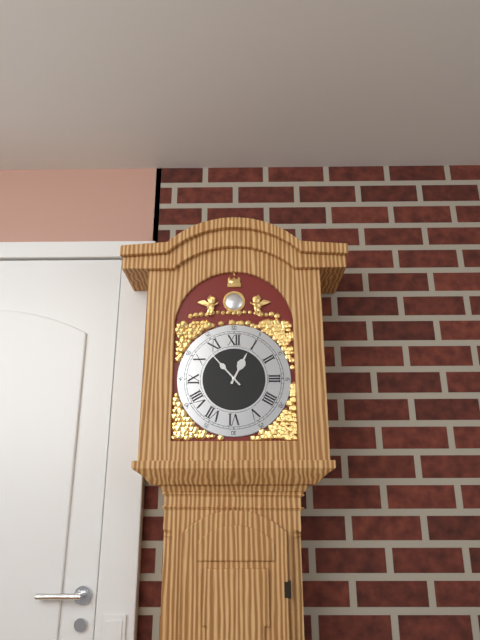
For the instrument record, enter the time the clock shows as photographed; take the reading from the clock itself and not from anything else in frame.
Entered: 12:53
